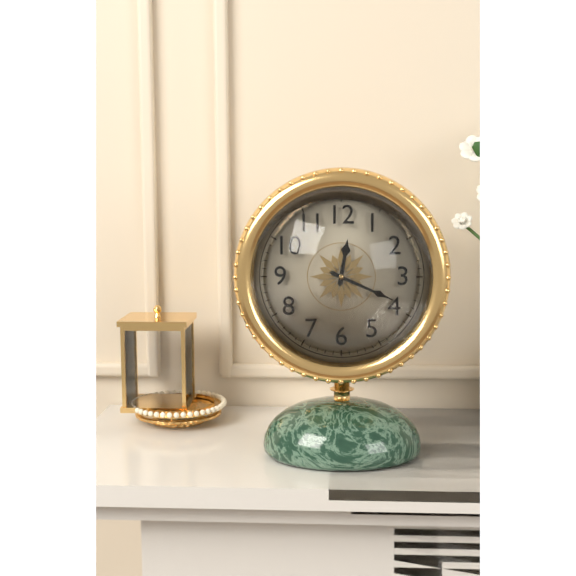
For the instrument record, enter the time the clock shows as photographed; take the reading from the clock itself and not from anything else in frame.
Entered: 12:19
